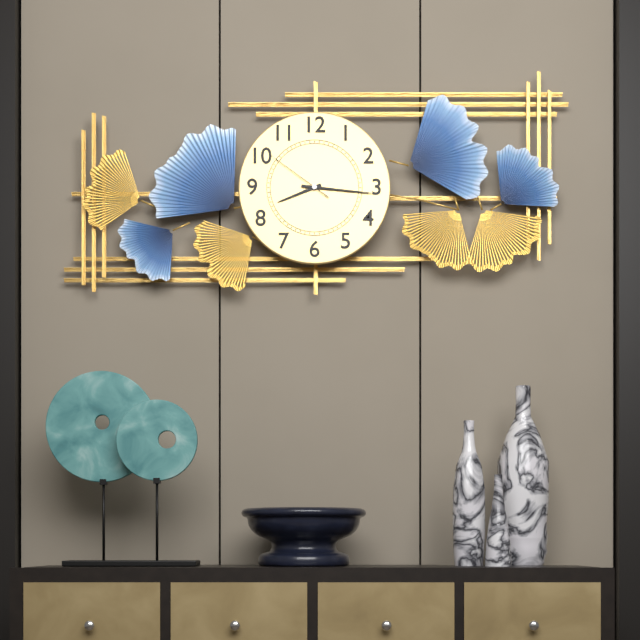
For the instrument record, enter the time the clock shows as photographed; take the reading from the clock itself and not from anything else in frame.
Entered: 8:16:51
